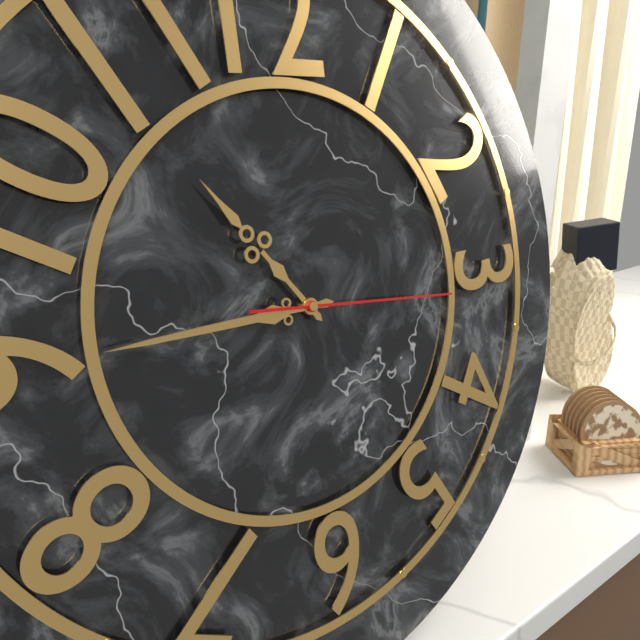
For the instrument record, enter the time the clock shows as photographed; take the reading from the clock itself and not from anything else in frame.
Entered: 10:45:16
